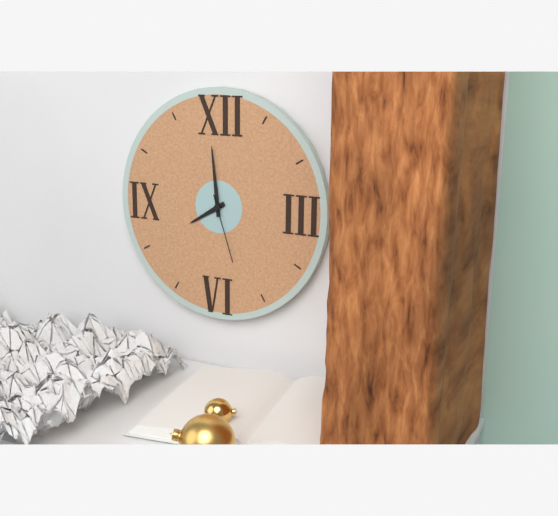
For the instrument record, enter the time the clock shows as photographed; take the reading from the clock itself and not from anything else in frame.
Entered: 7:59:27
